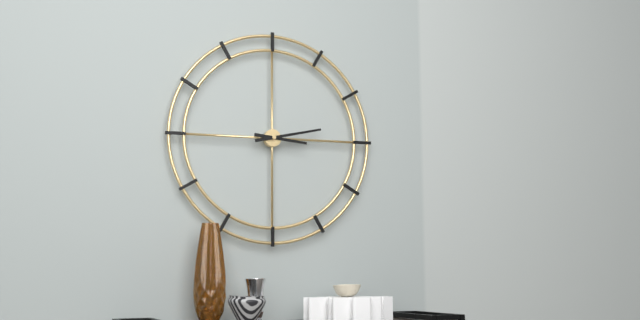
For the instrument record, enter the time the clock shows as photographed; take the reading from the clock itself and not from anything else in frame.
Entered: 3:13
